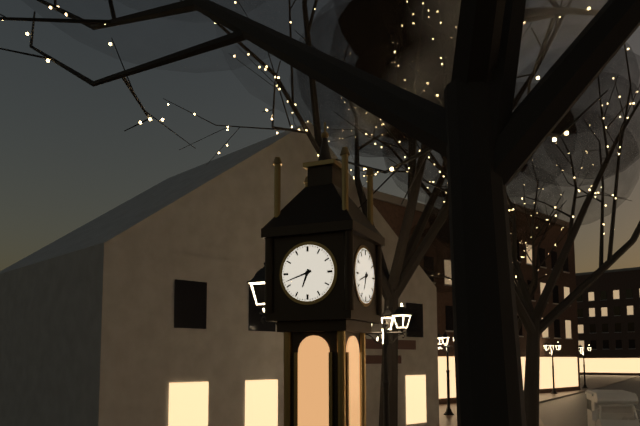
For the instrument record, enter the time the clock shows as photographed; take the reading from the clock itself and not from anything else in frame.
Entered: 6:42
